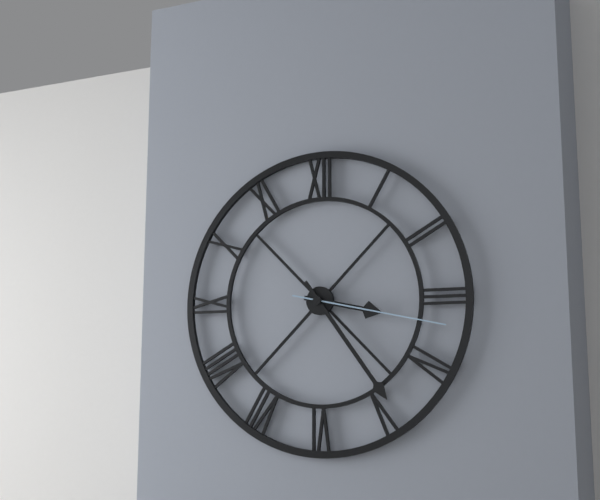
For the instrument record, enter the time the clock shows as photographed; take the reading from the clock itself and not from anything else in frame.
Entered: 3:24:17
